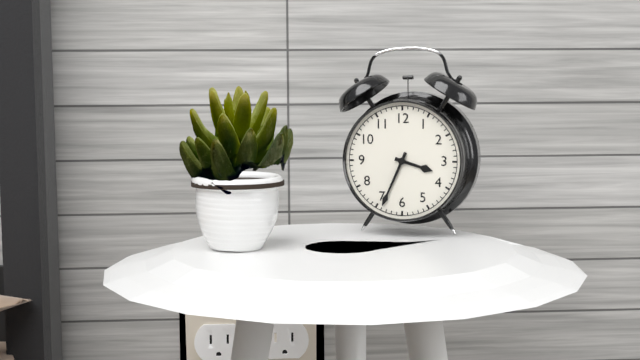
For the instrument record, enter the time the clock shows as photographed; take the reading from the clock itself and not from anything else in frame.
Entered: 3:34
